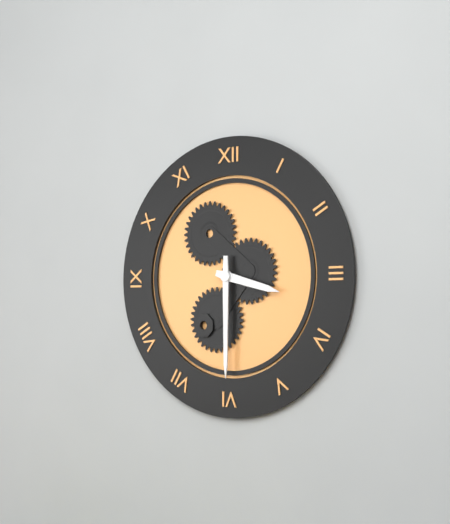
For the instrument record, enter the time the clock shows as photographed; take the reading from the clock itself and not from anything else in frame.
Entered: 3:30
